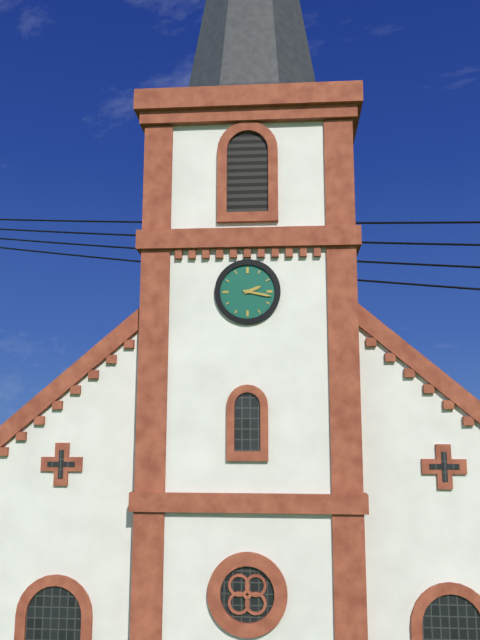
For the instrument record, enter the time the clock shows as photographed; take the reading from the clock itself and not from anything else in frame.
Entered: 2:17
